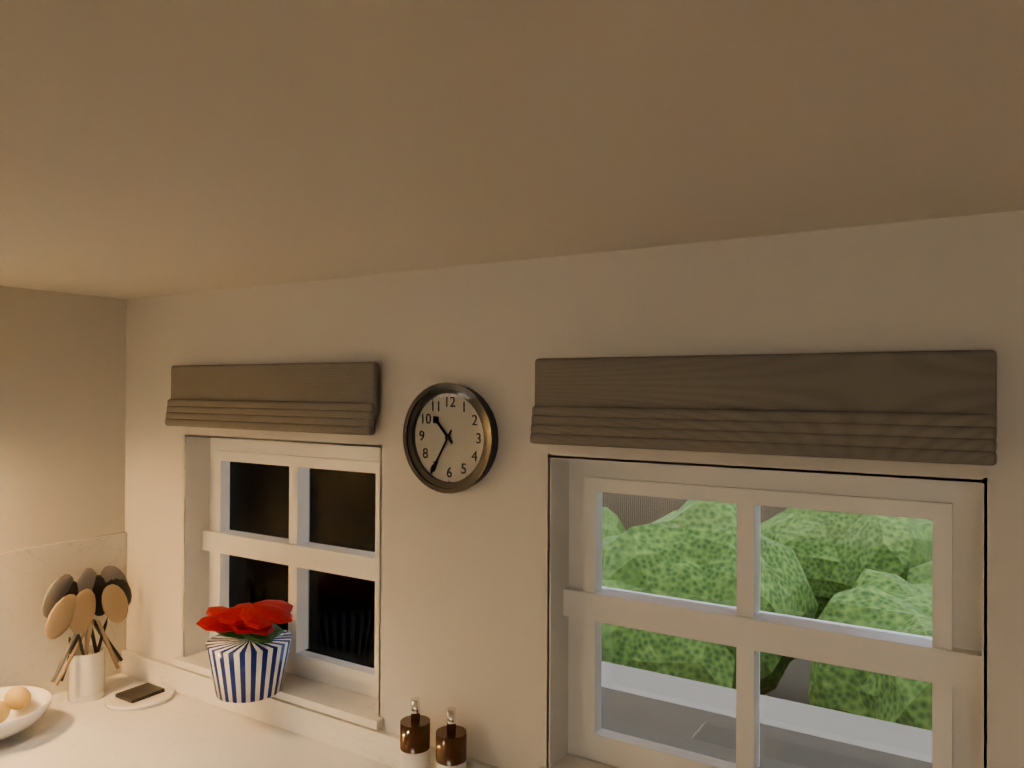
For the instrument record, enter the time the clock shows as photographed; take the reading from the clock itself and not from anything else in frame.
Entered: 10:35
